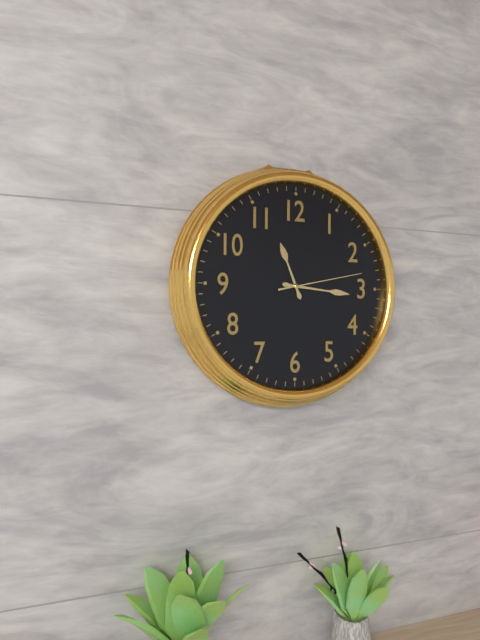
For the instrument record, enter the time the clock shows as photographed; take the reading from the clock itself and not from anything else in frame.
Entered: 11:16:13
